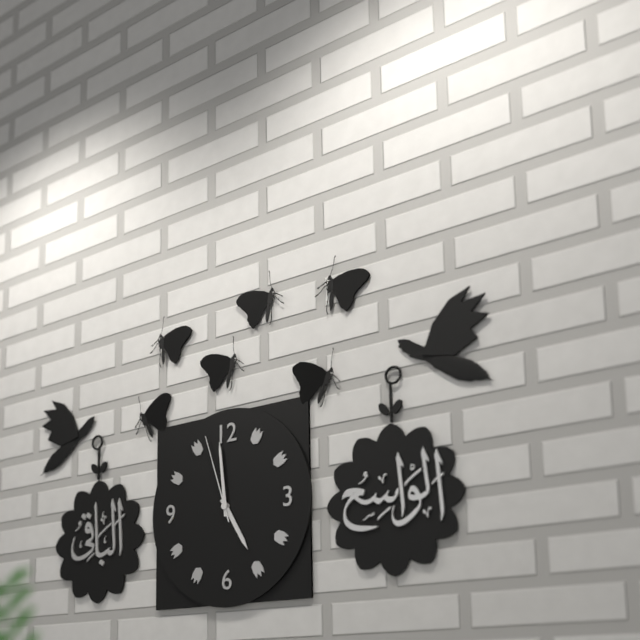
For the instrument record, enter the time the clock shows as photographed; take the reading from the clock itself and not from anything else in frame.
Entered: 4:59:57
